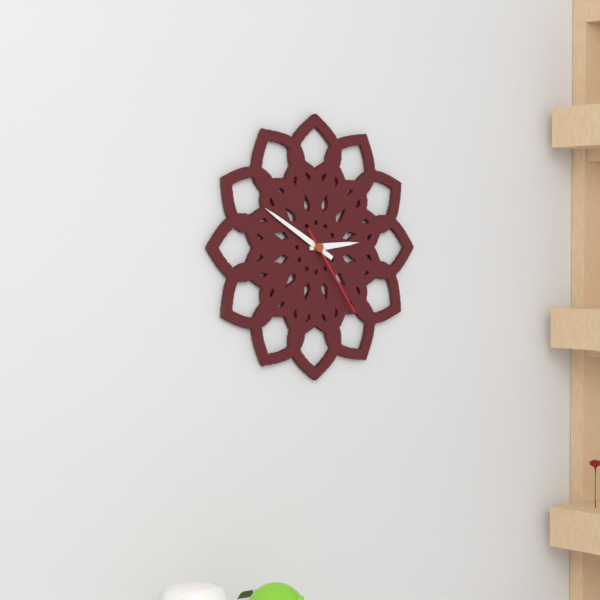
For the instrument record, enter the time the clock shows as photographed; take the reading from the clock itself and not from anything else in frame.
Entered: 2:50:24
